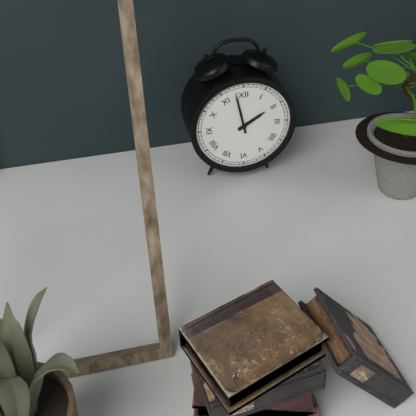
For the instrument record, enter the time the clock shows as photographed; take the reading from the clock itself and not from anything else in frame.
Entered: 1:58
